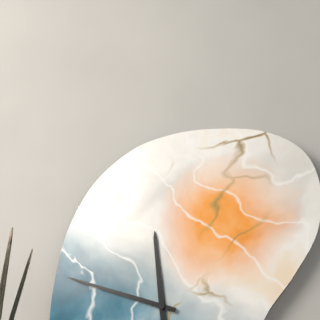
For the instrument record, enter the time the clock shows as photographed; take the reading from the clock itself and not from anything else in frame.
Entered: 11:48
